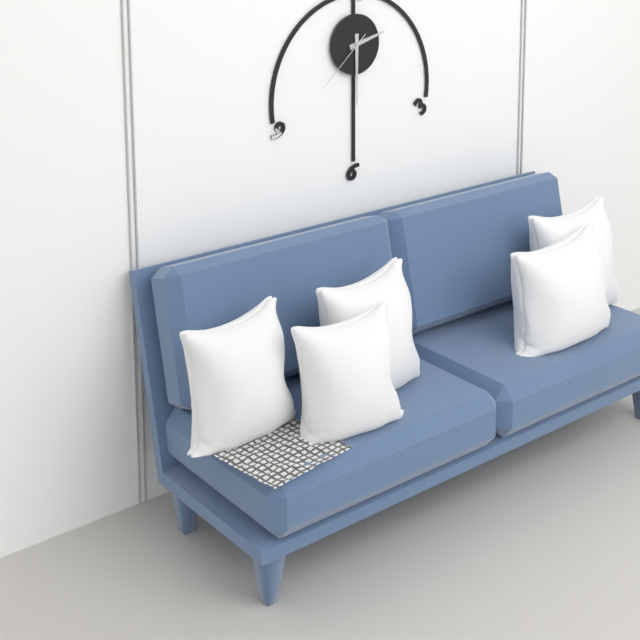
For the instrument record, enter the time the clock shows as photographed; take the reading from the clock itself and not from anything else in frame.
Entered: 2:30:38
